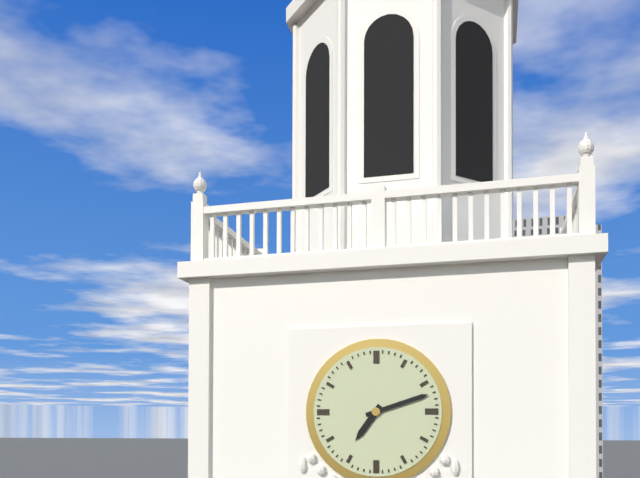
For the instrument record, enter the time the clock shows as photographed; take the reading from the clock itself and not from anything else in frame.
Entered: 7:12
